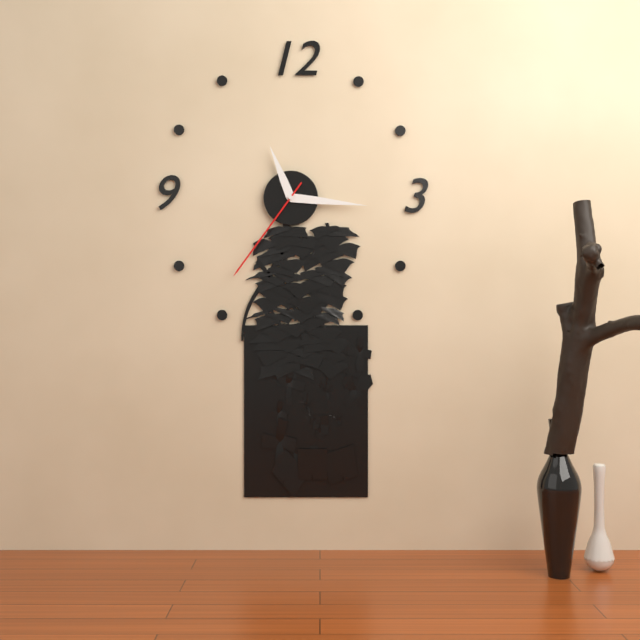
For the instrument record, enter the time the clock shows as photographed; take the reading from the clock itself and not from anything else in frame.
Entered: 11:16:36
